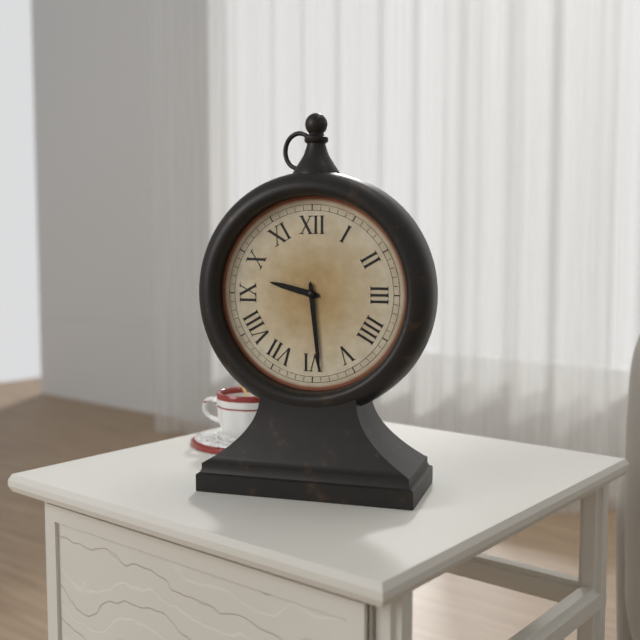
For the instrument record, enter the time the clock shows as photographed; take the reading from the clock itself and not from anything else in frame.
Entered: 9:29
